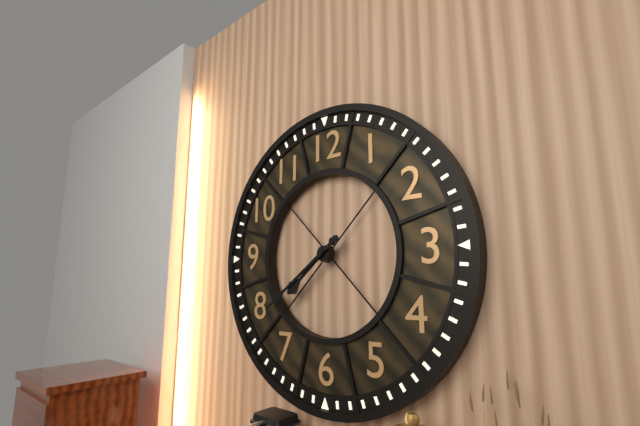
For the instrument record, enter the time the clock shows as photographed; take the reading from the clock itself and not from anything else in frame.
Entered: 7:39
